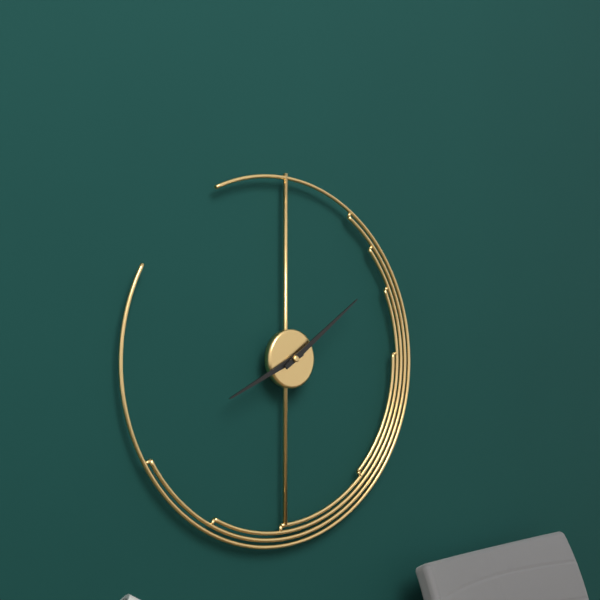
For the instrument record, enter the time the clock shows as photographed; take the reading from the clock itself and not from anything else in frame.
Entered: 8:09
